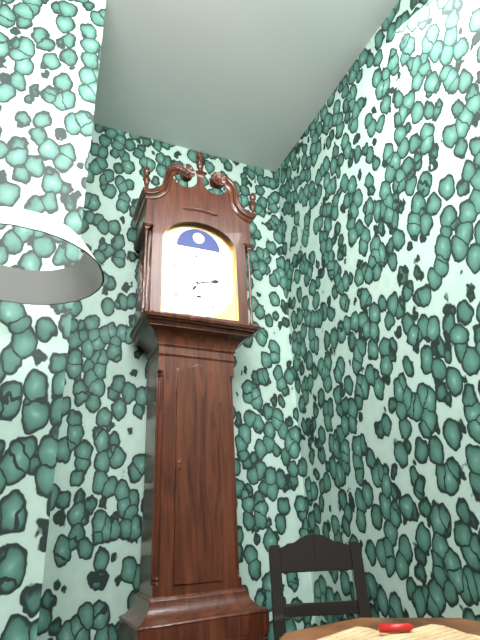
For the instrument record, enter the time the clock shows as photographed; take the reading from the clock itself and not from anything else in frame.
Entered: 2:36
